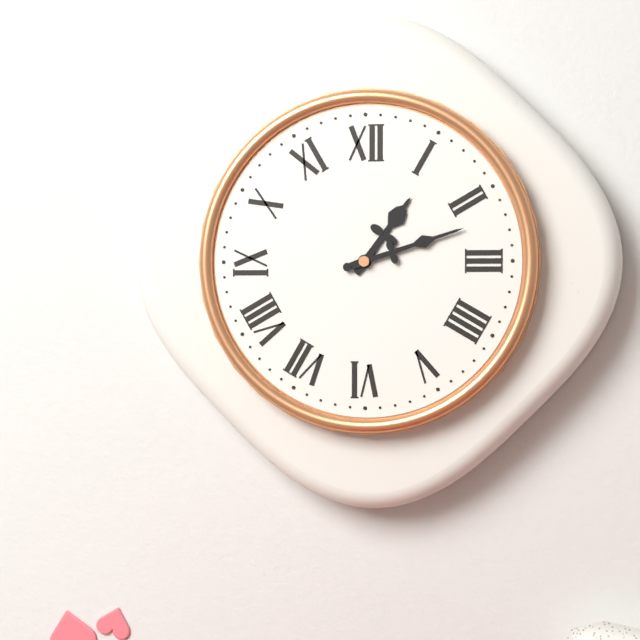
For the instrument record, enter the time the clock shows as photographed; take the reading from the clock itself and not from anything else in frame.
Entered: 1:12
